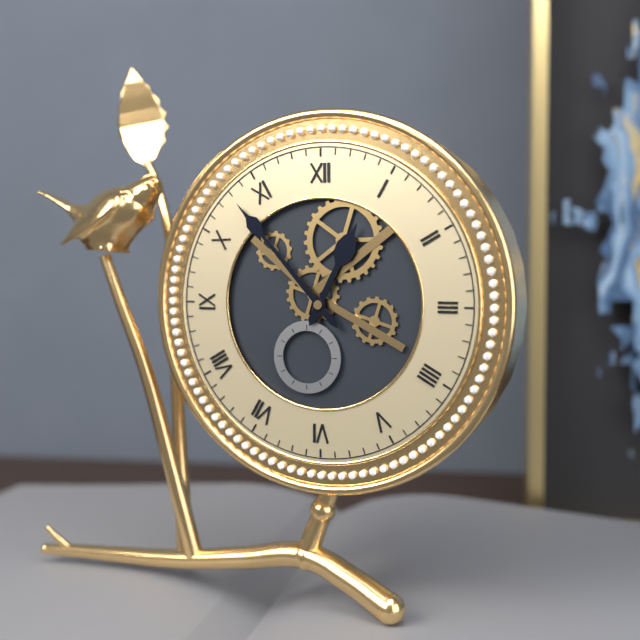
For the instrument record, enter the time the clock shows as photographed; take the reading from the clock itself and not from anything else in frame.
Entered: 12:53
